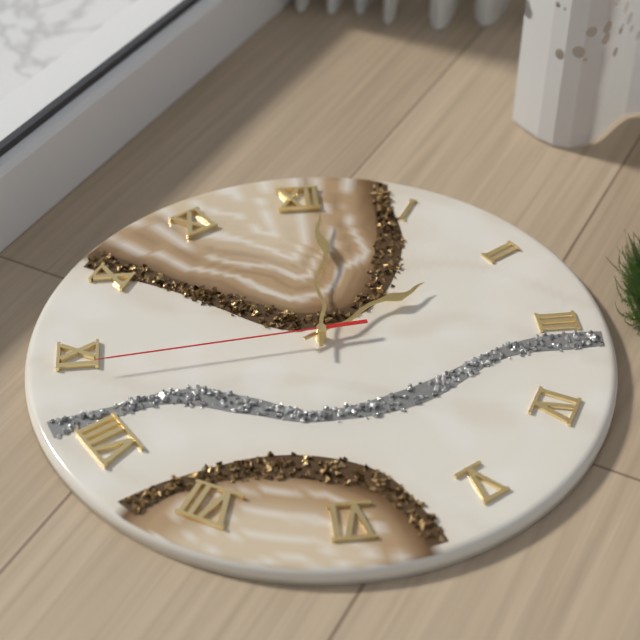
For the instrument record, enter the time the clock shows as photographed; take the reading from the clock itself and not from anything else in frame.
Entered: 2:01:44
